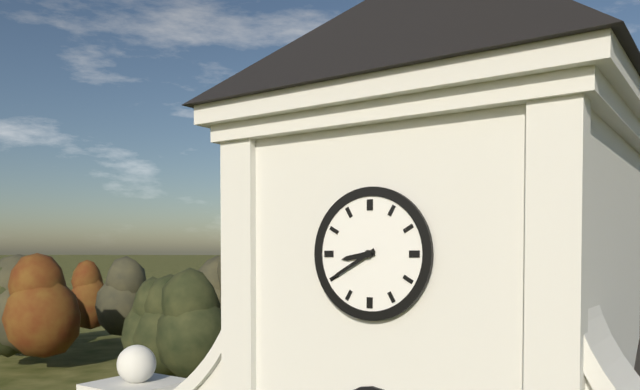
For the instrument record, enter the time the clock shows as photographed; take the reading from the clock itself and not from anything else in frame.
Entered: 8:40
